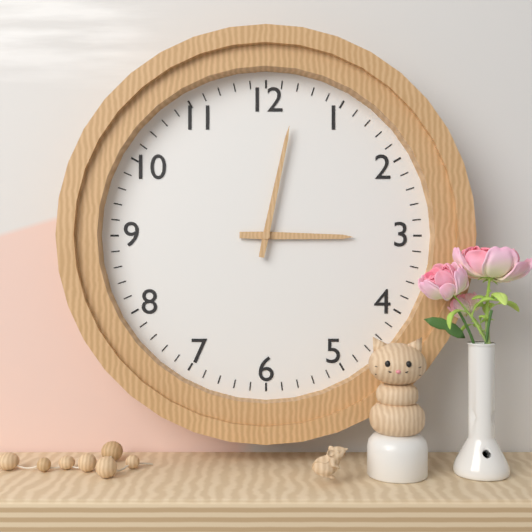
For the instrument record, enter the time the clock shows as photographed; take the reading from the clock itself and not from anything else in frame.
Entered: 3:02
